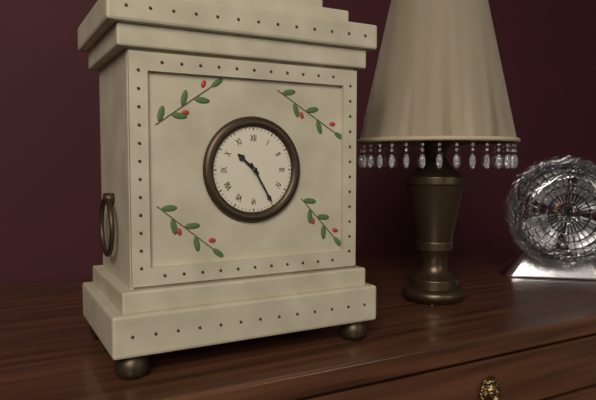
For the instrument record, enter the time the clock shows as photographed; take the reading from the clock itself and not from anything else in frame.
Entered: 10:25
